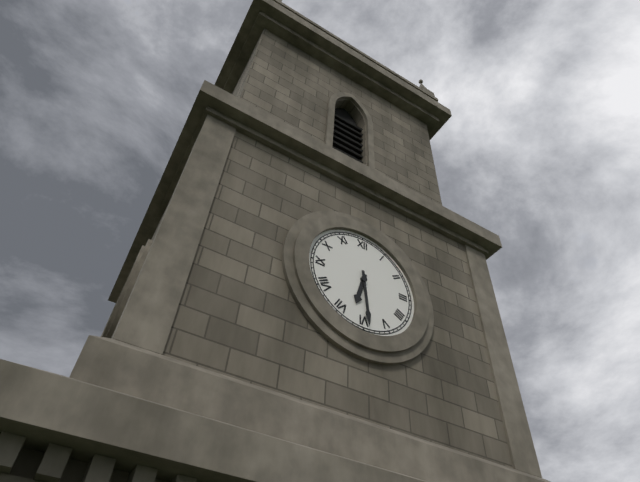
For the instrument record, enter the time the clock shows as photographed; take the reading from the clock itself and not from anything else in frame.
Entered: 6:29
